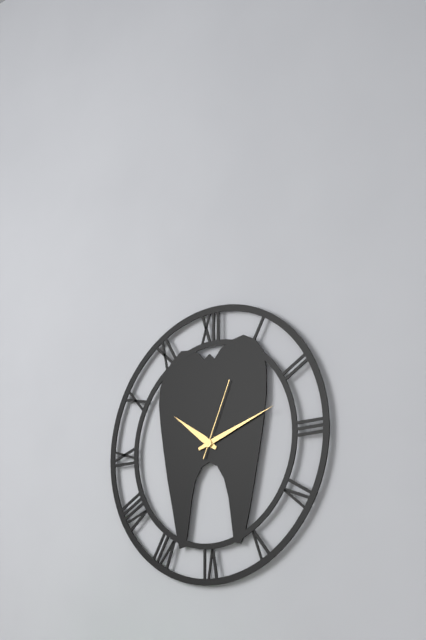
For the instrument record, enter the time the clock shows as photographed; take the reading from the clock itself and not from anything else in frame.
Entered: 10:12:04
